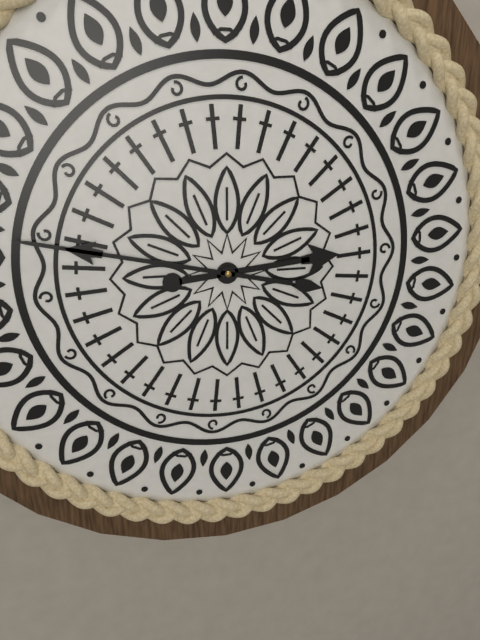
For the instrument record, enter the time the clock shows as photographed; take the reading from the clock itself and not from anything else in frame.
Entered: 2:47
